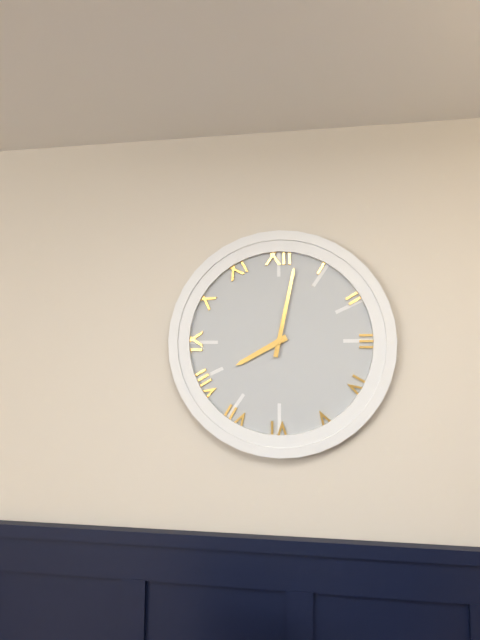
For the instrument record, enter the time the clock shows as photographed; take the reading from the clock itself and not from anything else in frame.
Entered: 8:02
